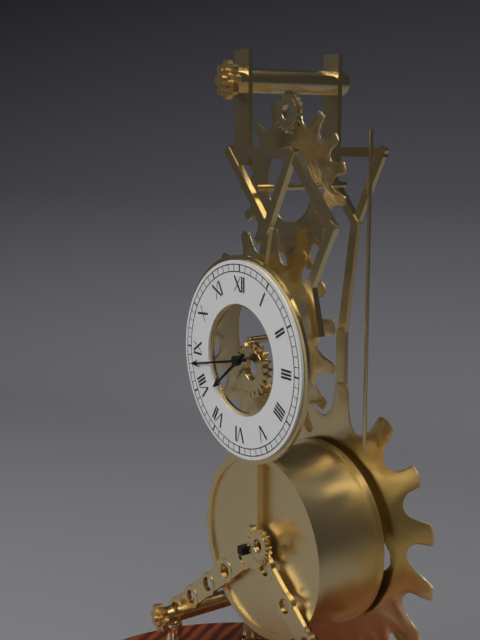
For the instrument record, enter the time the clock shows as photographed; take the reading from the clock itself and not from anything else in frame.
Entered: 7:43
